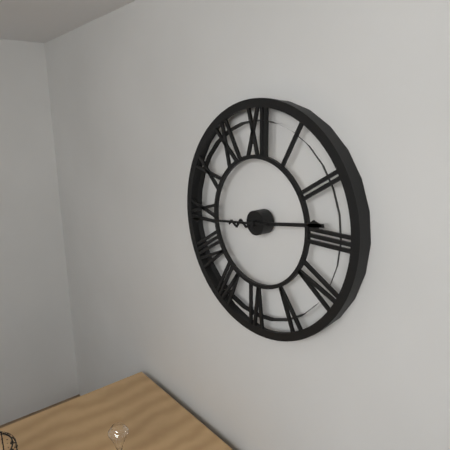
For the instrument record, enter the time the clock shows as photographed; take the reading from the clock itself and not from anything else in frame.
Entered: 2:44
